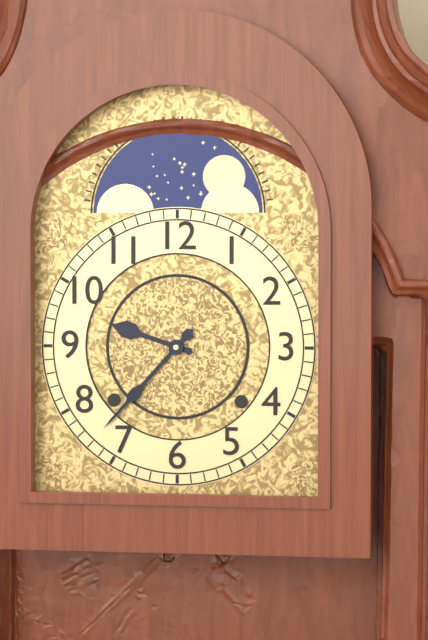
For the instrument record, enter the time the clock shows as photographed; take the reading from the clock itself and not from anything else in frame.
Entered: 9:37
